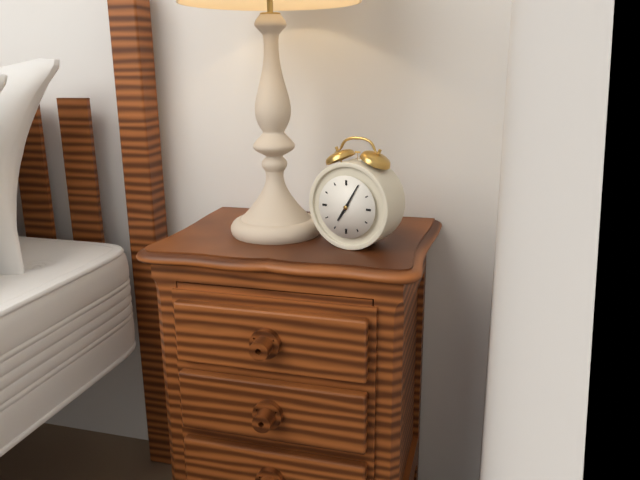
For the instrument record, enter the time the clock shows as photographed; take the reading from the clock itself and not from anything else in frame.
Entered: 7:05
